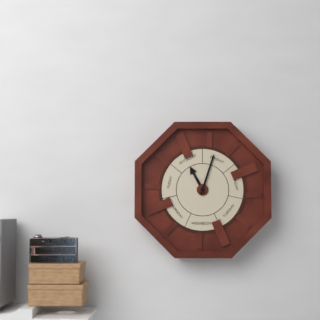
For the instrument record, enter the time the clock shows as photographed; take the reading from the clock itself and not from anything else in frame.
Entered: 11:03
